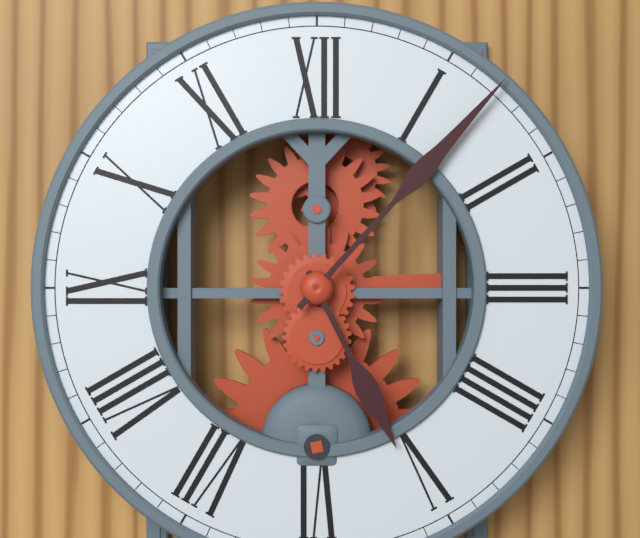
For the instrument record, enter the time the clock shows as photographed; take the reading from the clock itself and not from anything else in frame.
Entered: 5:07
